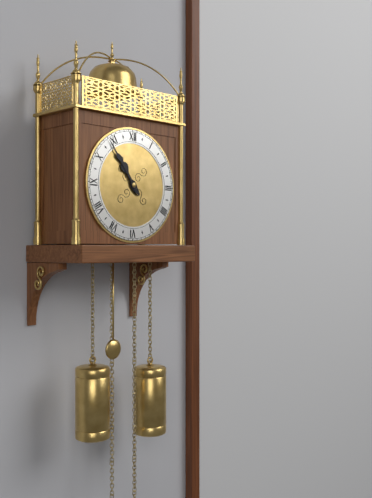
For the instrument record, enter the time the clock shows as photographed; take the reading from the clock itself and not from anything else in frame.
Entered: 10:54
